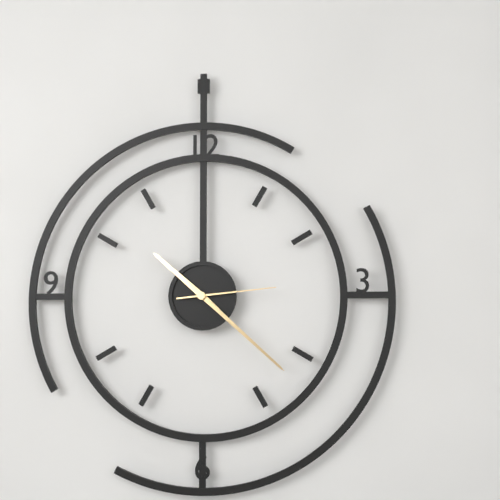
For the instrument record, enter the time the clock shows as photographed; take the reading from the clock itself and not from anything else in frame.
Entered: 10:22:14
